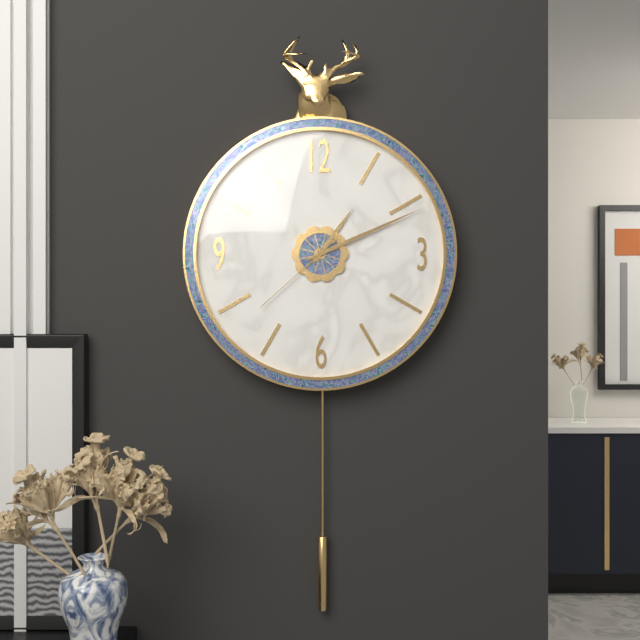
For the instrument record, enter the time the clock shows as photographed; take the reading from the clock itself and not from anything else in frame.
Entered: 1:11:38
